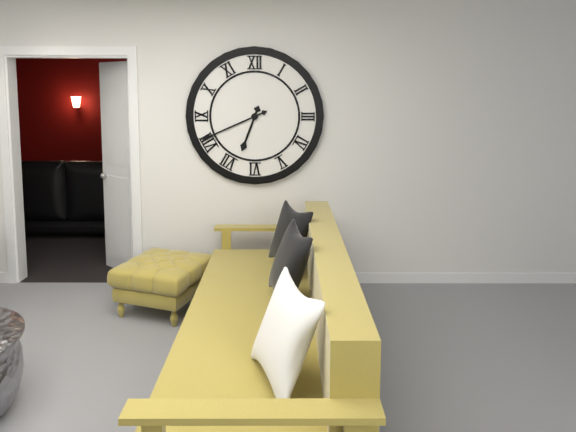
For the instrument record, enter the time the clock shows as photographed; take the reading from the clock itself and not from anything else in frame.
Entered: 6:41
